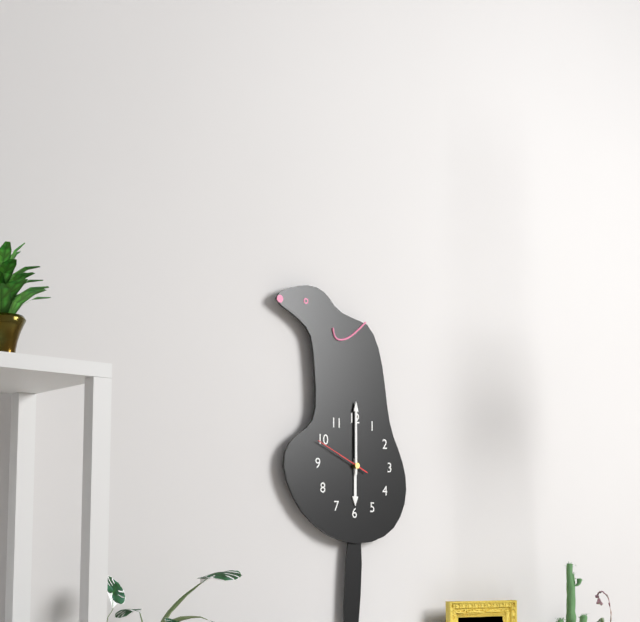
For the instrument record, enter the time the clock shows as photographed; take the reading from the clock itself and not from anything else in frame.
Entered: 6:00:49
